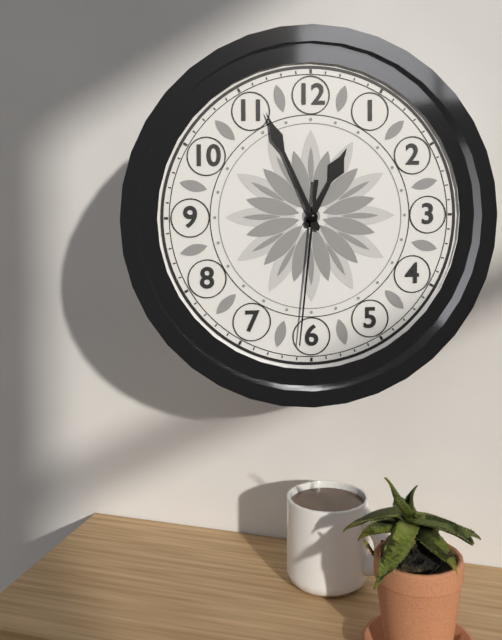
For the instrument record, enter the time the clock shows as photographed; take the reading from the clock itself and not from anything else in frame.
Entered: 12:56:31
